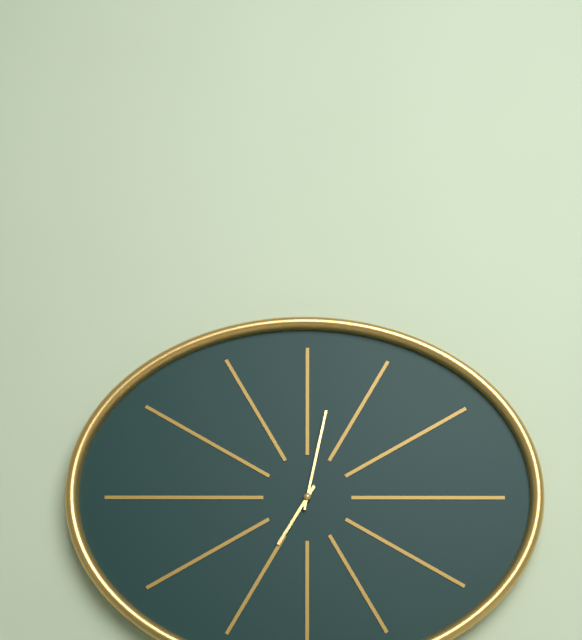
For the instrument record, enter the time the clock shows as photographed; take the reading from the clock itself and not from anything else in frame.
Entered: 7:02
